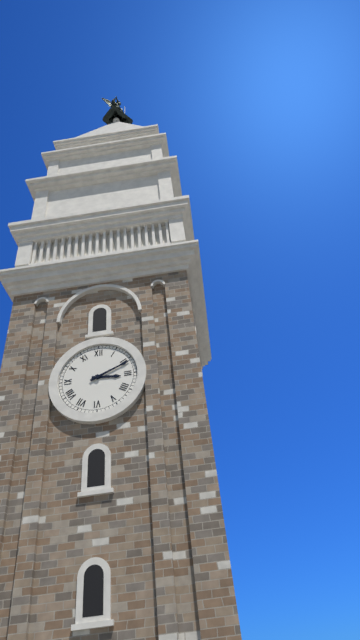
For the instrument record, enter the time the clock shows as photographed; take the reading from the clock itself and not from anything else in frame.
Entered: 3:11
